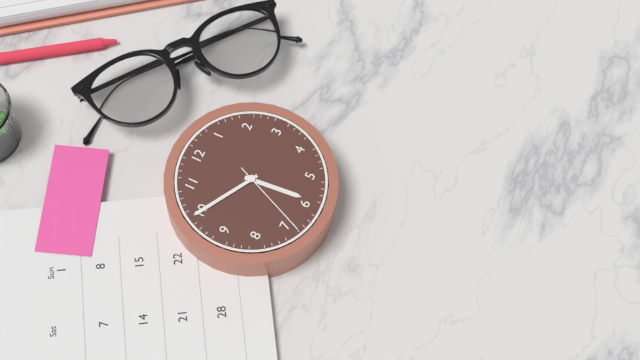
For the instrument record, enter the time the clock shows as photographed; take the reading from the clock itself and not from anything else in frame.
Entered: 5:50:34
